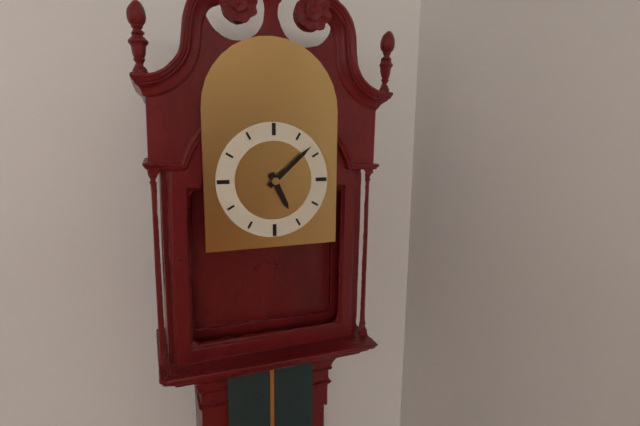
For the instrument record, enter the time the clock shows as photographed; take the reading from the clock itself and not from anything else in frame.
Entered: 5:08
